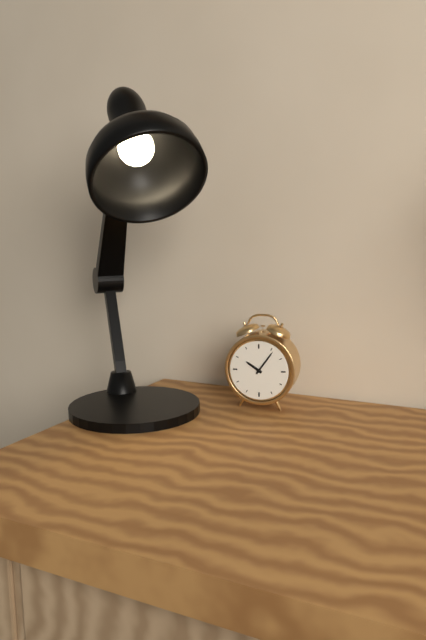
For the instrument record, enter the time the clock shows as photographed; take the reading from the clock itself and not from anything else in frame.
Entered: 10:06
